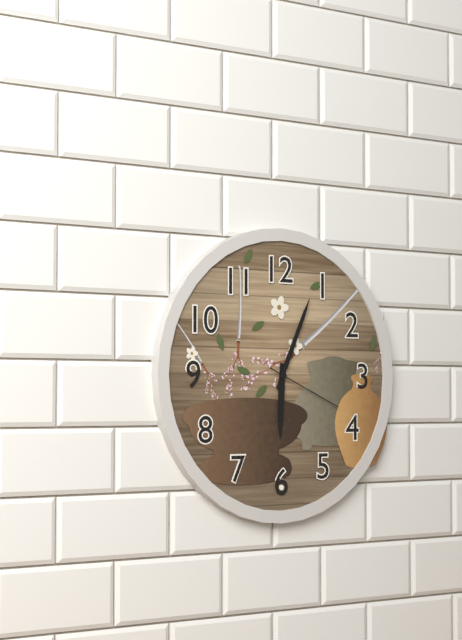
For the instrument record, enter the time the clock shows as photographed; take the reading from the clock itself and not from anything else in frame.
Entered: 6:04:19
